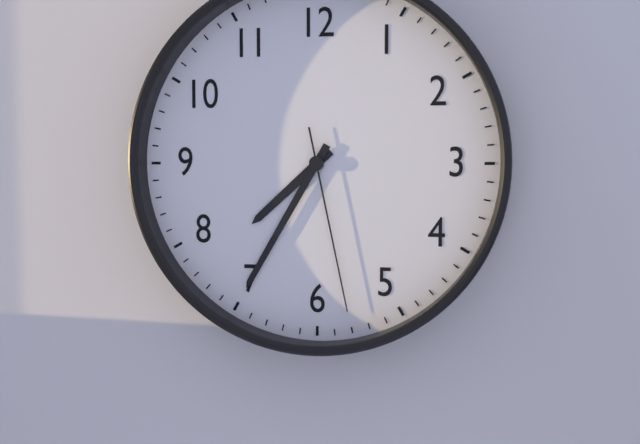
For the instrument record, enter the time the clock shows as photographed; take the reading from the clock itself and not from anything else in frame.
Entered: 7:35:28
